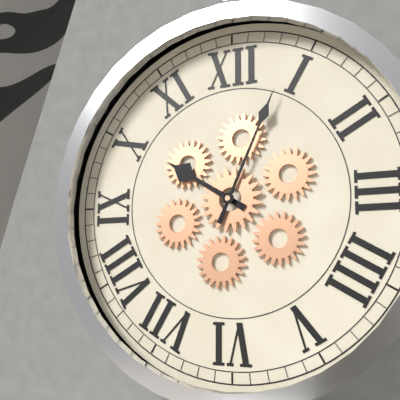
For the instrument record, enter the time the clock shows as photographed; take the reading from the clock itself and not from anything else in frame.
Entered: 10:04
